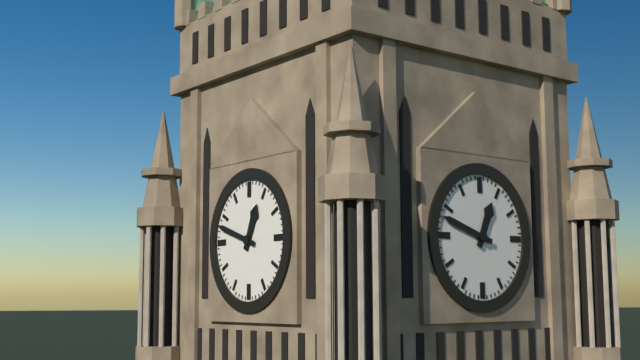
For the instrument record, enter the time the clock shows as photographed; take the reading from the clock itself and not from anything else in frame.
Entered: 12:48
